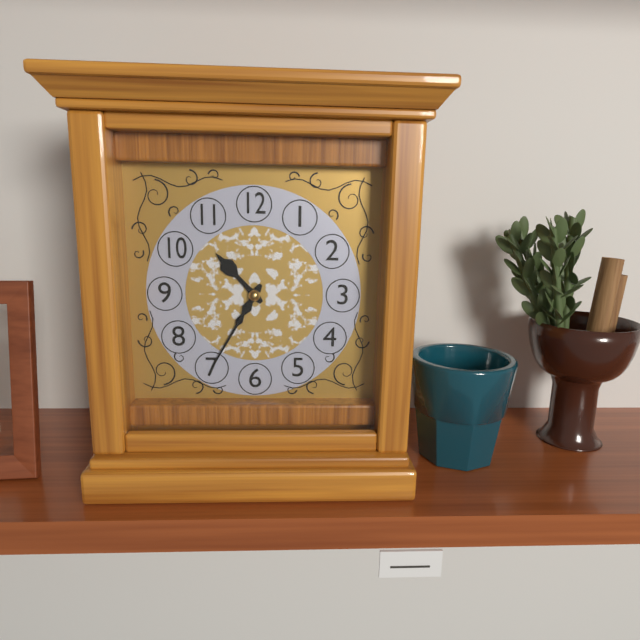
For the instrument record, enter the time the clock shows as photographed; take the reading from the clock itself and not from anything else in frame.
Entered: 10:35
